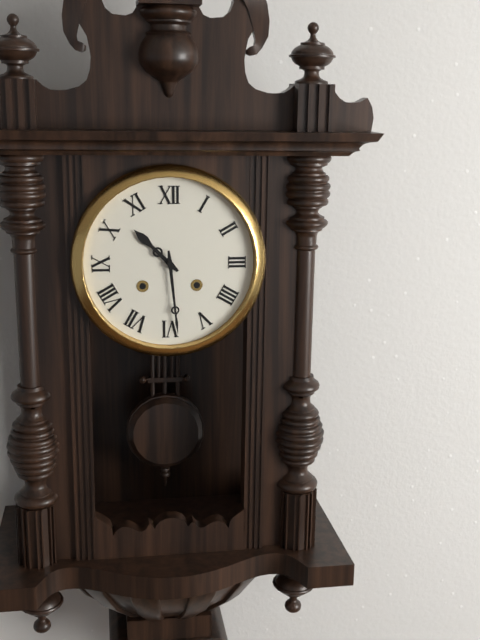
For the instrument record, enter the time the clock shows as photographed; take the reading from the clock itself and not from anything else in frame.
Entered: 10:29
